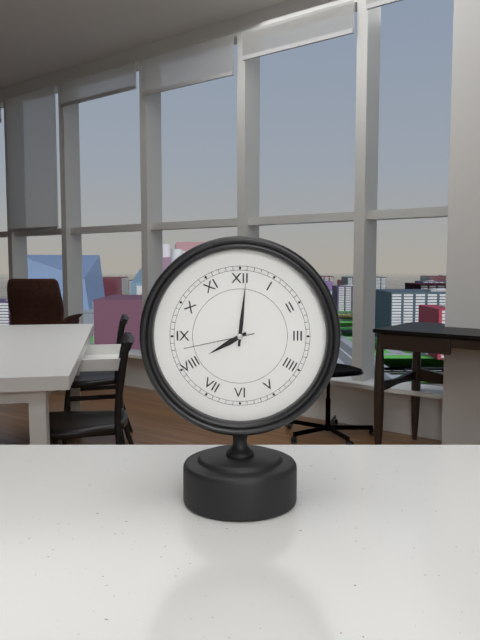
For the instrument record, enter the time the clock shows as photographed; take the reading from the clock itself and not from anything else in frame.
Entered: 8:01:43
